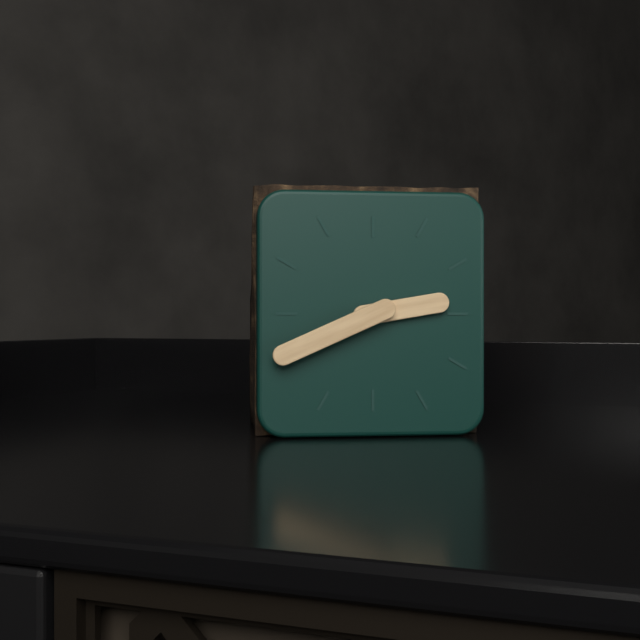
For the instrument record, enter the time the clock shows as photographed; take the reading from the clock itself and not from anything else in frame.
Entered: 2:41
